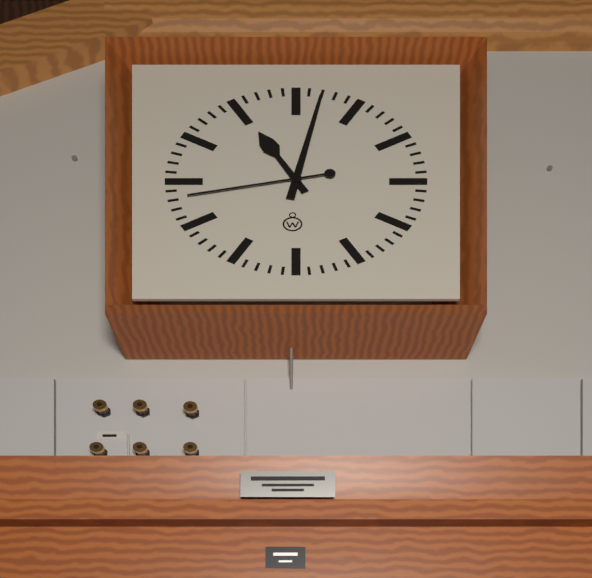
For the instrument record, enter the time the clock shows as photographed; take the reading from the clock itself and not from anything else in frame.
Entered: 11:02:43
